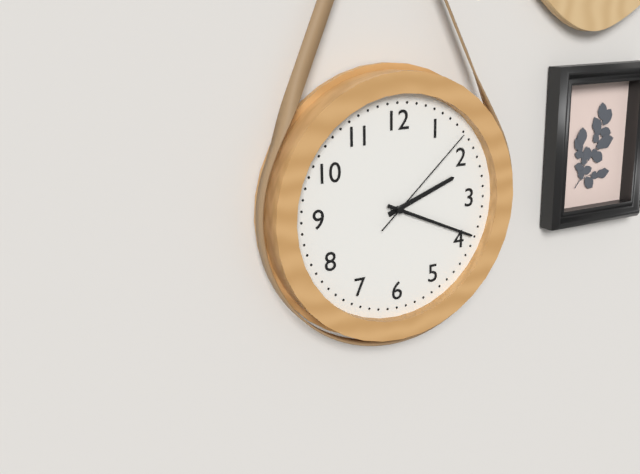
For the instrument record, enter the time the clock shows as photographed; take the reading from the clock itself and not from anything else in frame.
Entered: 2:19:08
